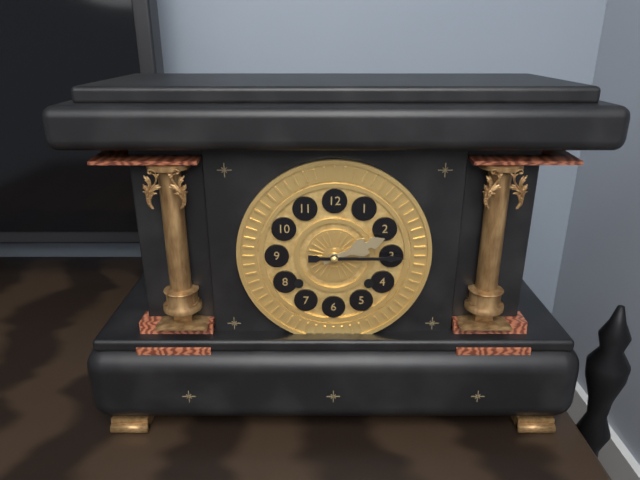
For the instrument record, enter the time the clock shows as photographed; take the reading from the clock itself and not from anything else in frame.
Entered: 2:15
